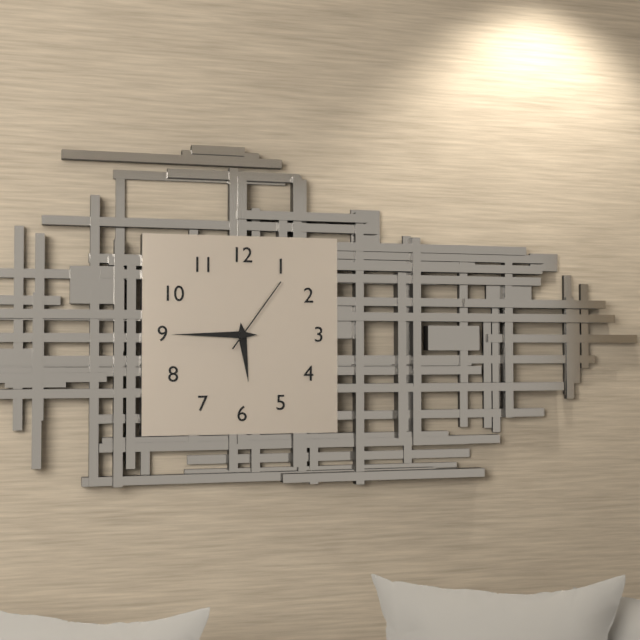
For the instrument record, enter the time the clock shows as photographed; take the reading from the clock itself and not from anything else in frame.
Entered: 5:45:06
